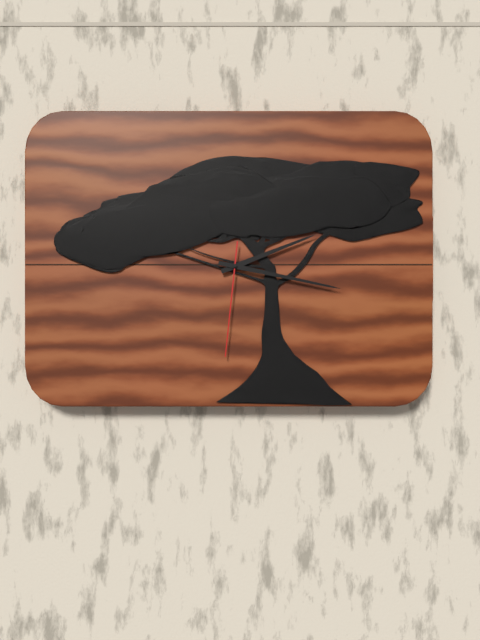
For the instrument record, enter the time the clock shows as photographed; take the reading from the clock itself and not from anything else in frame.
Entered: 2:17:31
